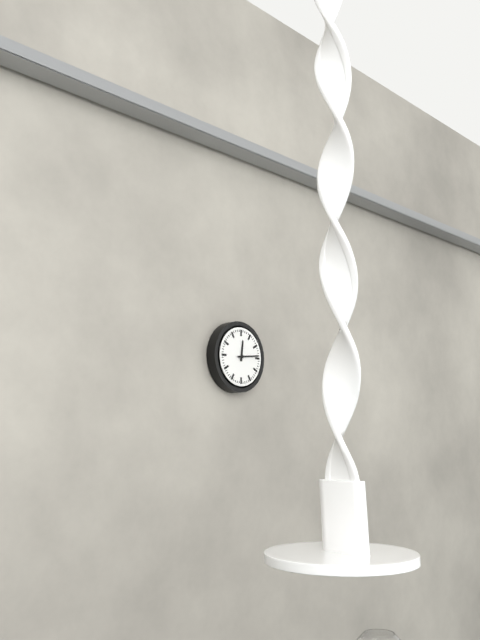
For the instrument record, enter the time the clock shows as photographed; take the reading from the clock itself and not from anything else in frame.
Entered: 12:14
